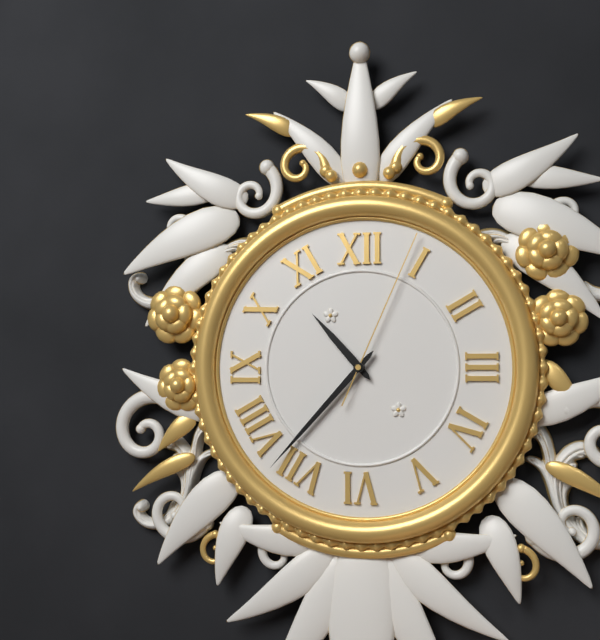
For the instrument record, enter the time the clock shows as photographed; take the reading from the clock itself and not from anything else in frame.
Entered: 10:37:04
